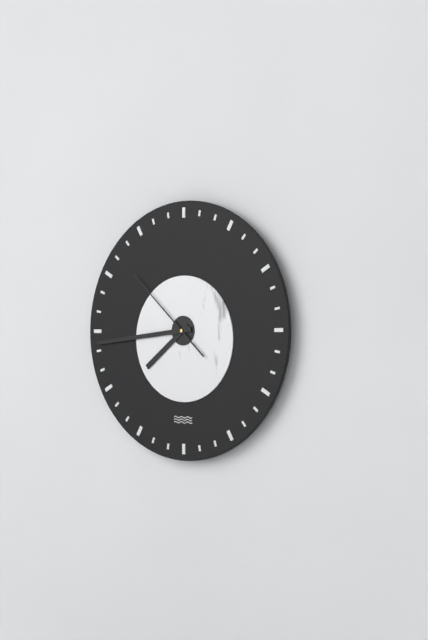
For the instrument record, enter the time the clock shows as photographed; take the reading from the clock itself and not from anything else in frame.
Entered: 7:44:52
